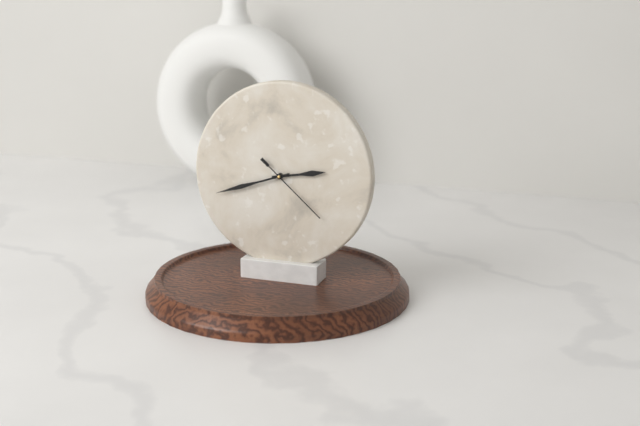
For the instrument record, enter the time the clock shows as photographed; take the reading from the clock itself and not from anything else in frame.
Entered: 2:42:22
